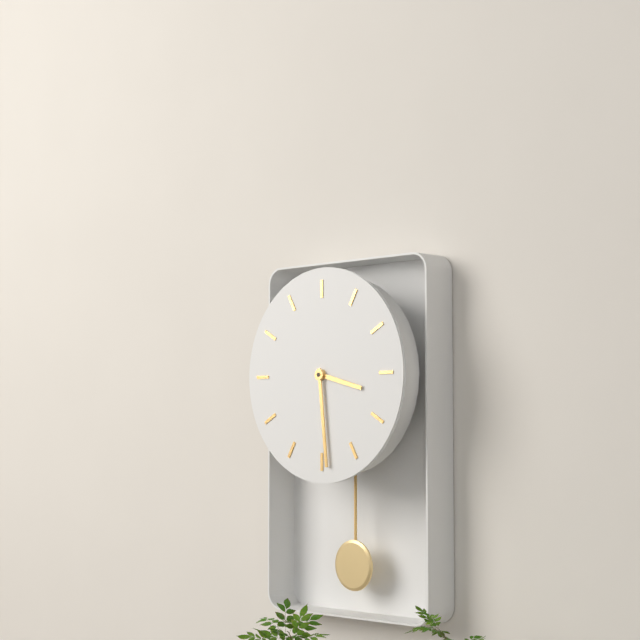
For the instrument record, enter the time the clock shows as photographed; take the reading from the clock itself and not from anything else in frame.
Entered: 3:29
